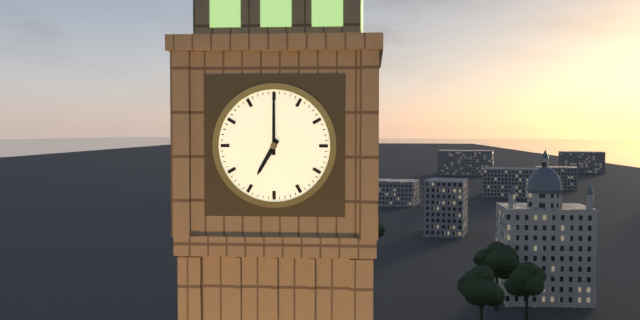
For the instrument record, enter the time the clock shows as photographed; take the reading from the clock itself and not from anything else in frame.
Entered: 7:00
